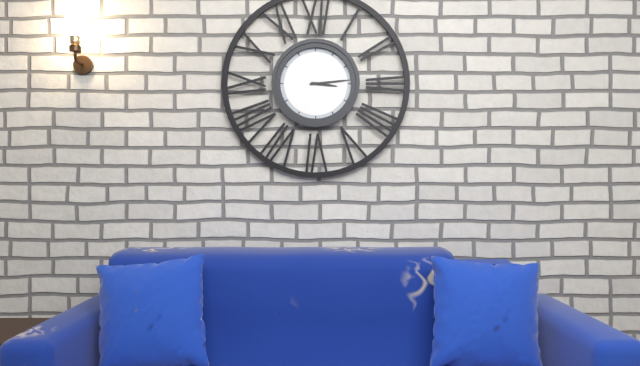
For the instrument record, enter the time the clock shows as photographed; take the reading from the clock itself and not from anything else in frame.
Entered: 3:14
